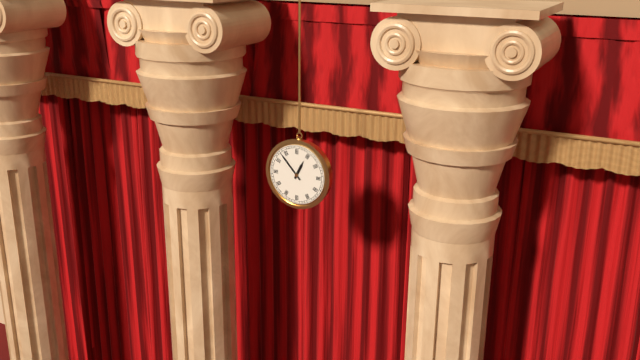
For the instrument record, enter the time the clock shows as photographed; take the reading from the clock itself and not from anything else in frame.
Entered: 12:53
